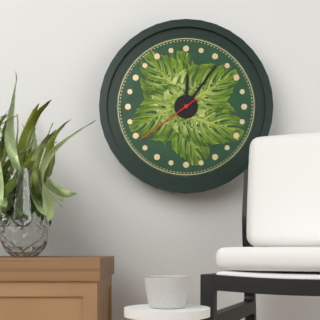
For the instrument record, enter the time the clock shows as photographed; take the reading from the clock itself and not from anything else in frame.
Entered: 12:06:39
